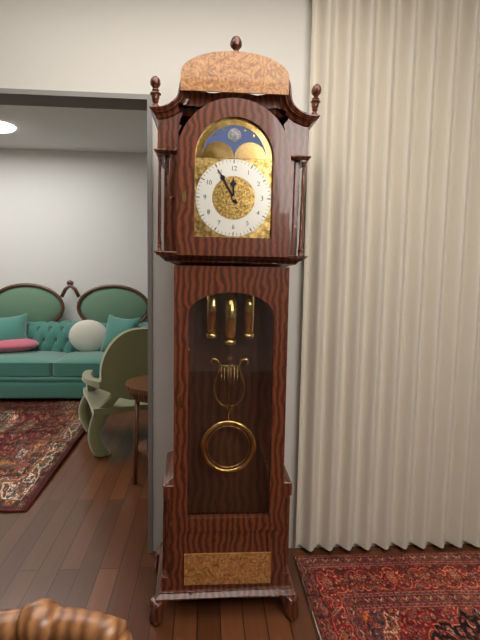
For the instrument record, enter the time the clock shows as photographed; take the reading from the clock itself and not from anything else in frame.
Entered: 11:55
